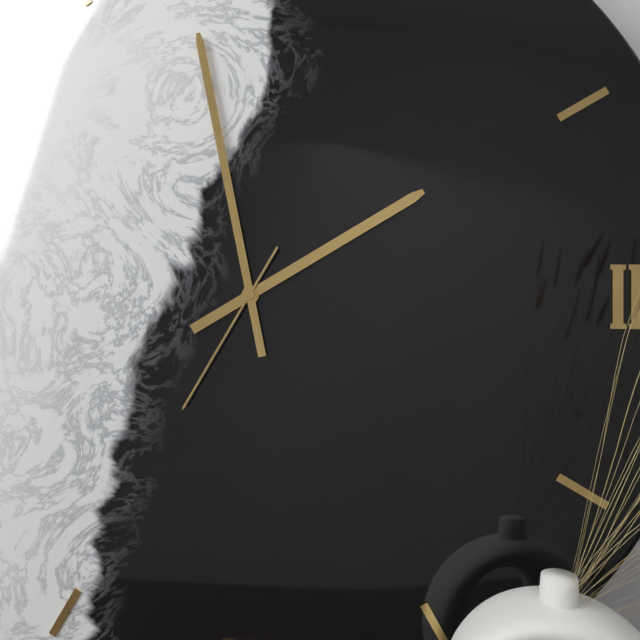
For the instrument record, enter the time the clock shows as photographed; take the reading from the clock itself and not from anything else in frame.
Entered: 1:58:35
